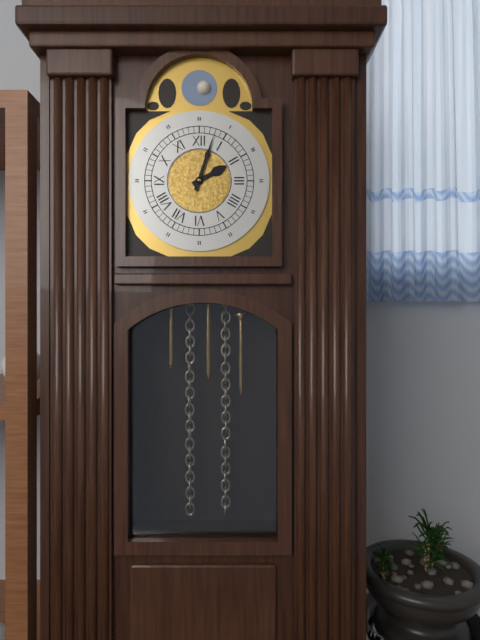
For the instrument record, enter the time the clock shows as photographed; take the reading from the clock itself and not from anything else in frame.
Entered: 2:03
